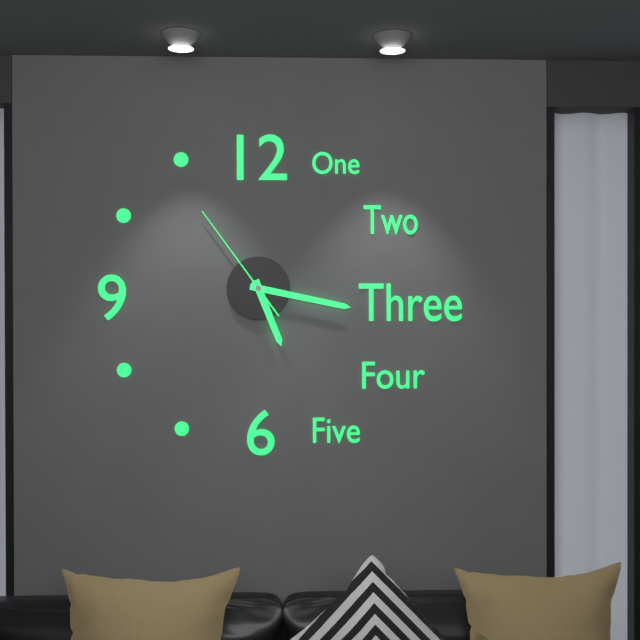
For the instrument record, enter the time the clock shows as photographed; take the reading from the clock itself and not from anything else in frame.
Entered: 5:17:54
